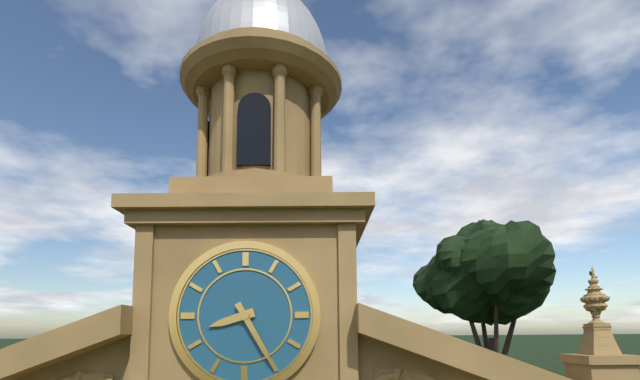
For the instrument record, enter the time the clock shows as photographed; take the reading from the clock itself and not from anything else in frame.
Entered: 8:25
